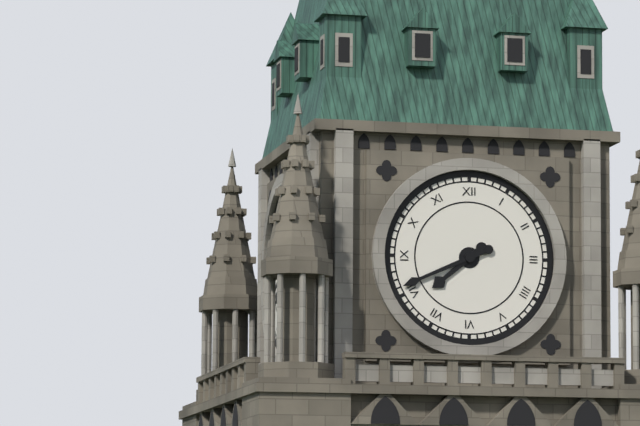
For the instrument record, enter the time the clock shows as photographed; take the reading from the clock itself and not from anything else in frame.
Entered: 7:41
